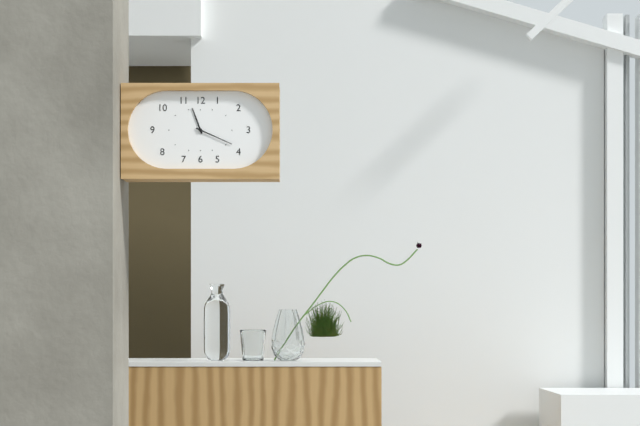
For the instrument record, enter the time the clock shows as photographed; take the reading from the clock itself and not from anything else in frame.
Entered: 11:19
